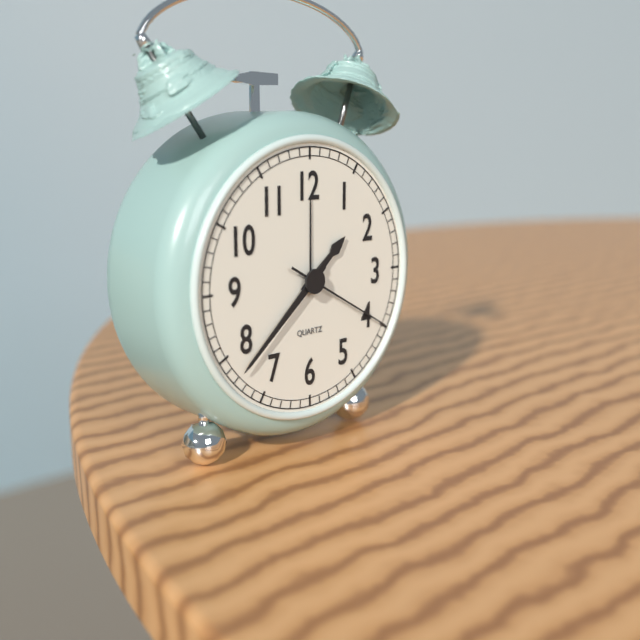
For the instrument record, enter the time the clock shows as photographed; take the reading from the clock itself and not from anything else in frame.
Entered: 1:38:20
